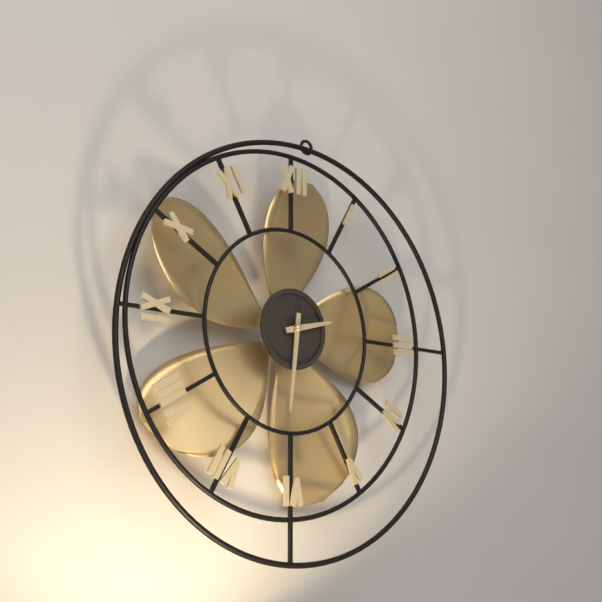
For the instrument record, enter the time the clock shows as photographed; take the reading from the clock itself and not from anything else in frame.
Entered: 2:31
